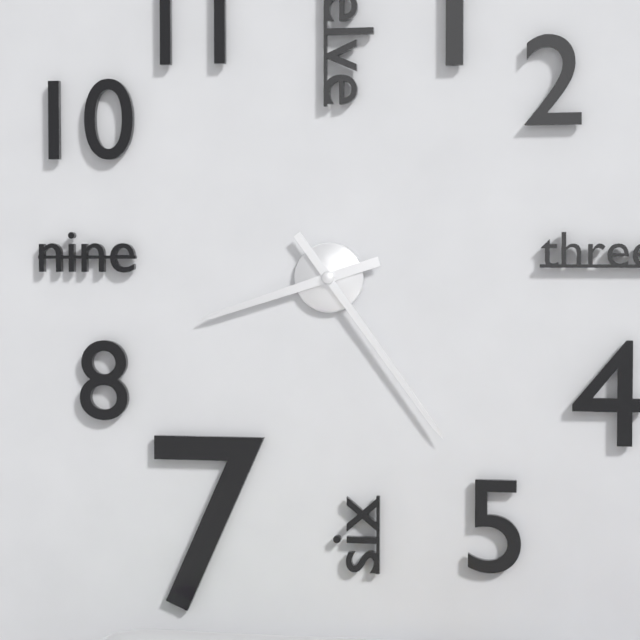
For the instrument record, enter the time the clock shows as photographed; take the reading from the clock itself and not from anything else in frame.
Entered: 8:24
